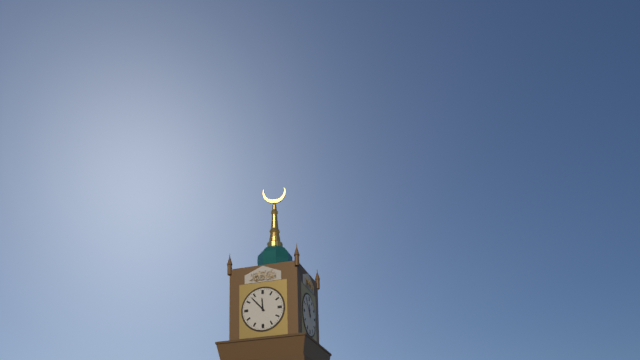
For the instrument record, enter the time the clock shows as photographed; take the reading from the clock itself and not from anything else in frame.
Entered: 11:53
